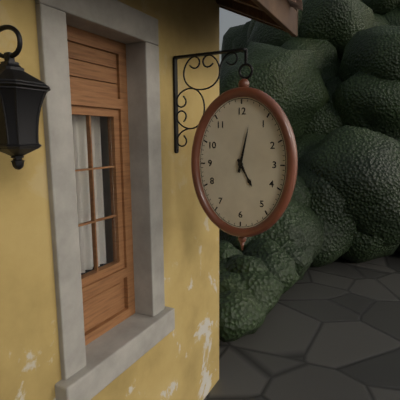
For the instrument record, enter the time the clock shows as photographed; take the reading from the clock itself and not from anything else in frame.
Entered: 5:02
